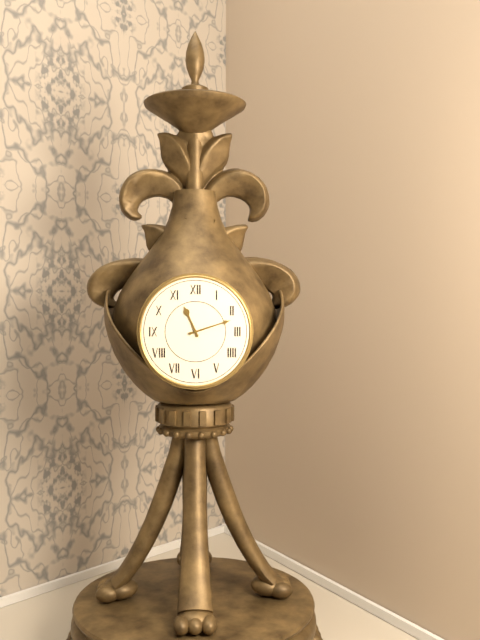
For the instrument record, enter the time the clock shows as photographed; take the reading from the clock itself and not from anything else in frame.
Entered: 11:12
